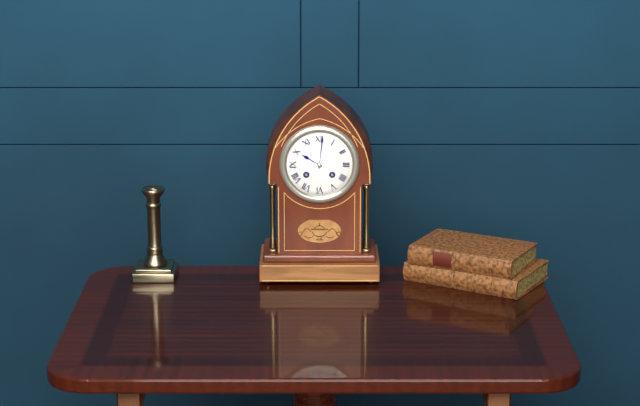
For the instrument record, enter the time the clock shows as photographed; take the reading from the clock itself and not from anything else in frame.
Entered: 10:01
